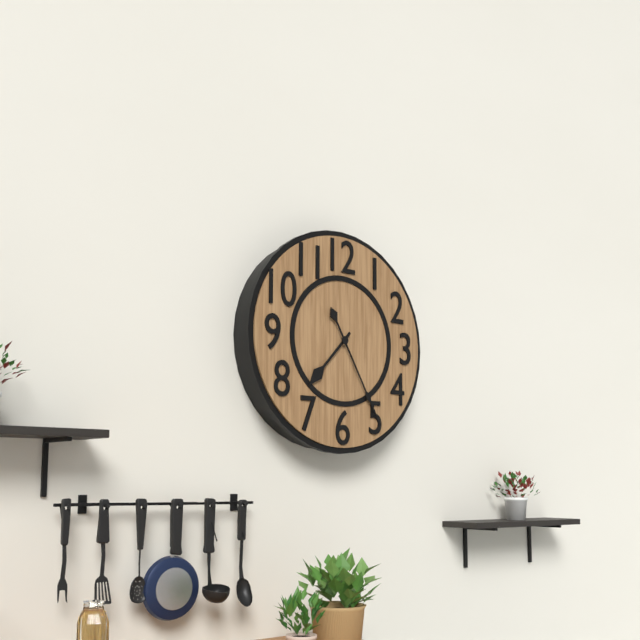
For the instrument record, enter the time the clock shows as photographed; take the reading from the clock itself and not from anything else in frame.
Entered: 7:25
